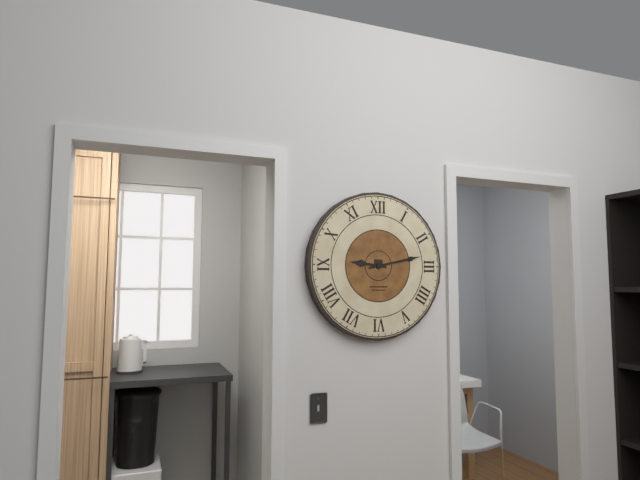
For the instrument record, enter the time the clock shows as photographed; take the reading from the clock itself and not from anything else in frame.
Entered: 9:13
